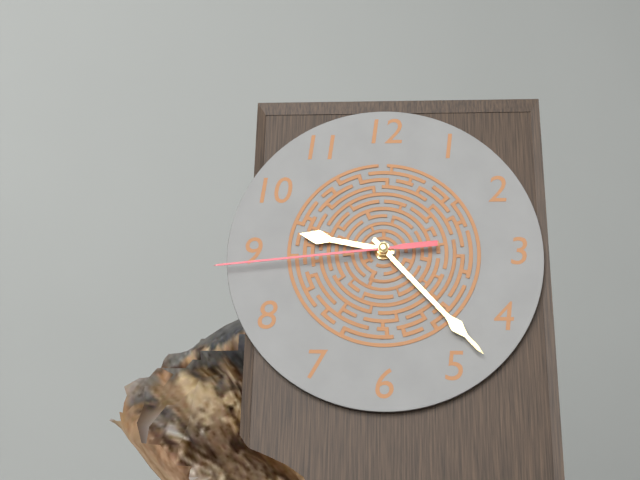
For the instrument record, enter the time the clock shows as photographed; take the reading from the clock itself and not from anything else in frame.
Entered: 9:23:44
